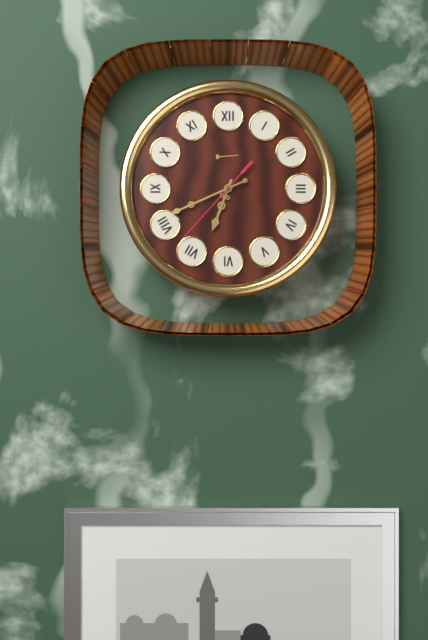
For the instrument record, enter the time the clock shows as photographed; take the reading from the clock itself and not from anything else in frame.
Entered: 6:41:37
